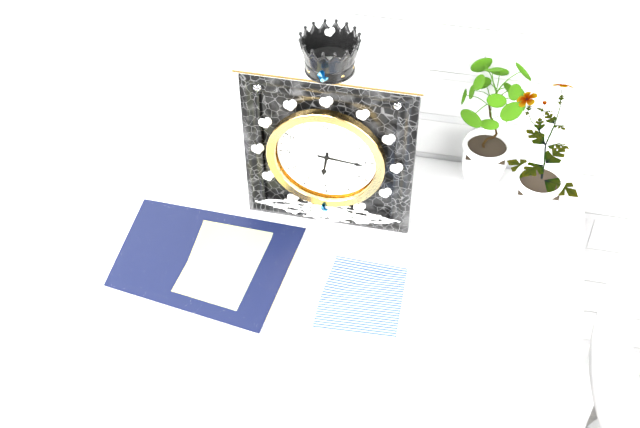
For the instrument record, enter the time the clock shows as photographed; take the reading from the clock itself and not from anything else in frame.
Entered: 6:16
